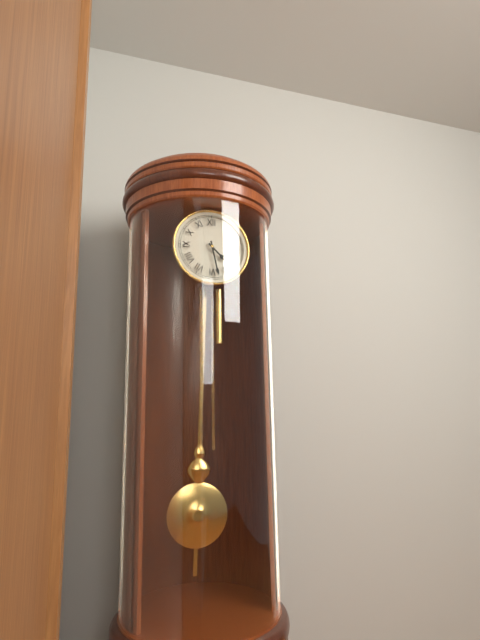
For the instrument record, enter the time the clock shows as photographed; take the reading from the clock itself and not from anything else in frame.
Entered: 4:28
